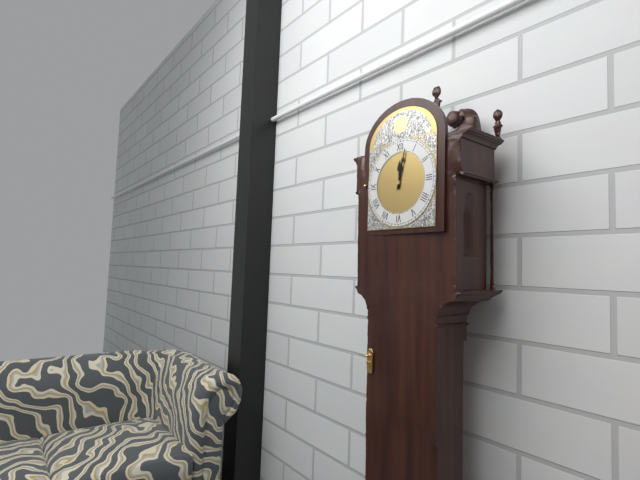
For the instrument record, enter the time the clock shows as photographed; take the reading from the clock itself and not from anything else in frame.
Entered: 12:02
